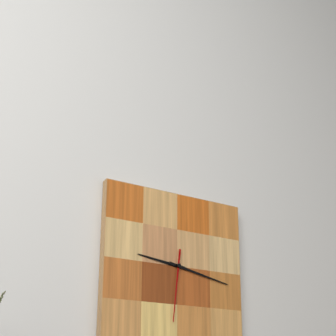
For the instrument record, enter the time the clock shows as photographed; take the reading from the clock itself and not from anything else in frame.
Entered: 9:17:31
